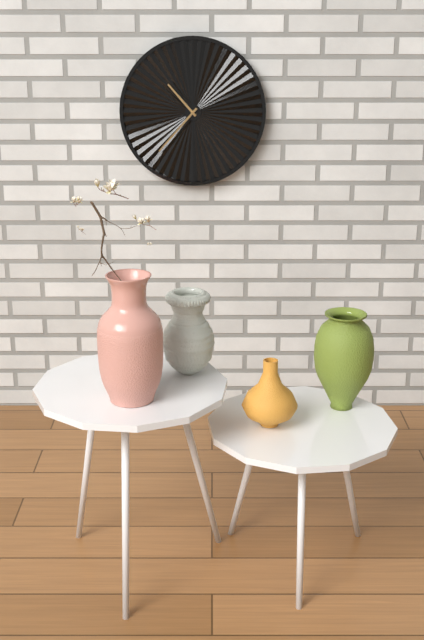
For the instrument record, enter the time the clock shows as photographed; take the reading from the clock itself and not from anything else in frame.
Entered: 10:37
